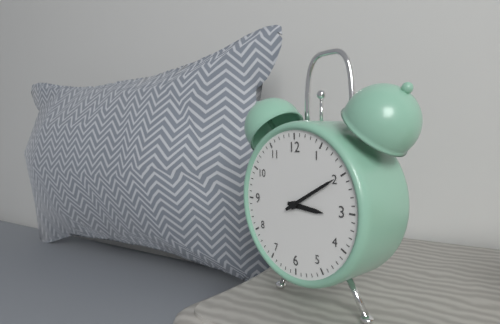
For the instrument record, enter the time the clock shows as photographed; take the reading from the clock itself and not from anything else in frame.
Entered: 3:10
